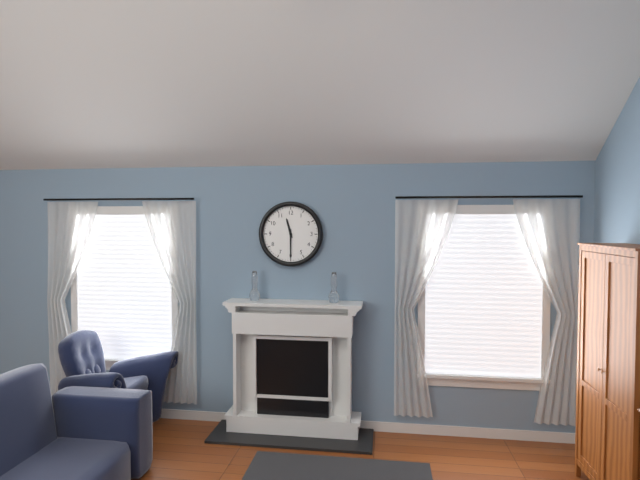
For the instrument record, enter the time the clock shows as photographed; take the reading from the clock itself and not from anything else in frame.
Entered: 11:30
